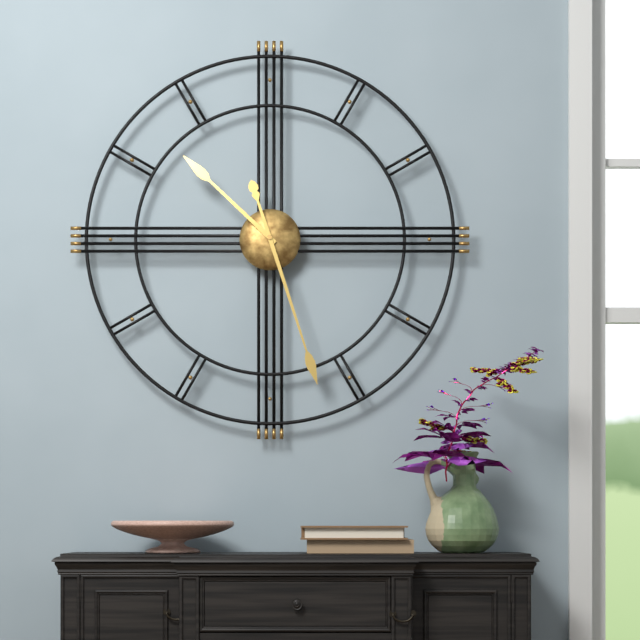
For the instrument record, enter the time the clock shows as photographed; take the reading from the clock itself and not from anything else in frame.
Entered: 10:27
